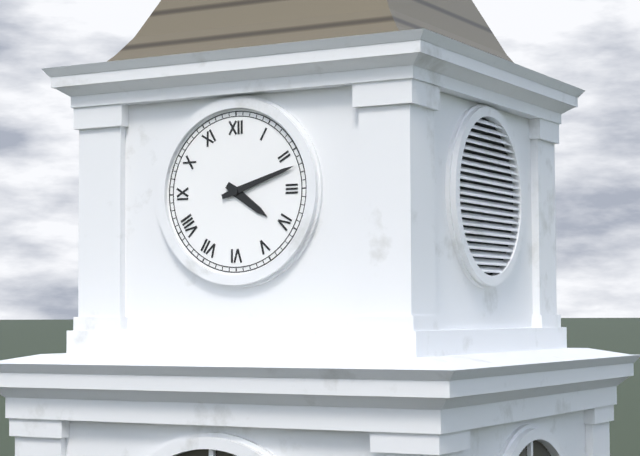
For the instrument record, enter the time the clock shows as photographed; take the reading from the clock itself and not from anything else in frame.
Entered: 4:12
